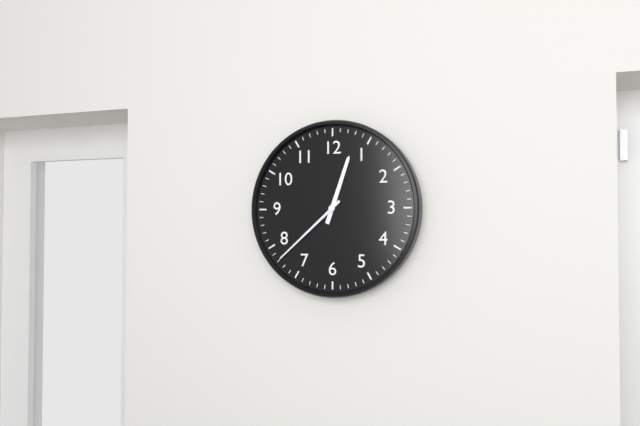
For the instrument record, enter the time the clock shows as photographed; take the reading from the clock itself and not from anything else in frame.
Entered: 12:38
